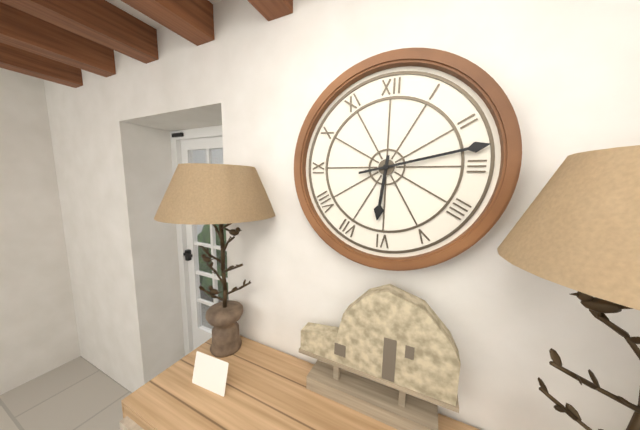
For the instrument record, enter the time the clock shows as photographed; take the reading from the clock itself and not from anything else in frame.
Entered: 6:13
